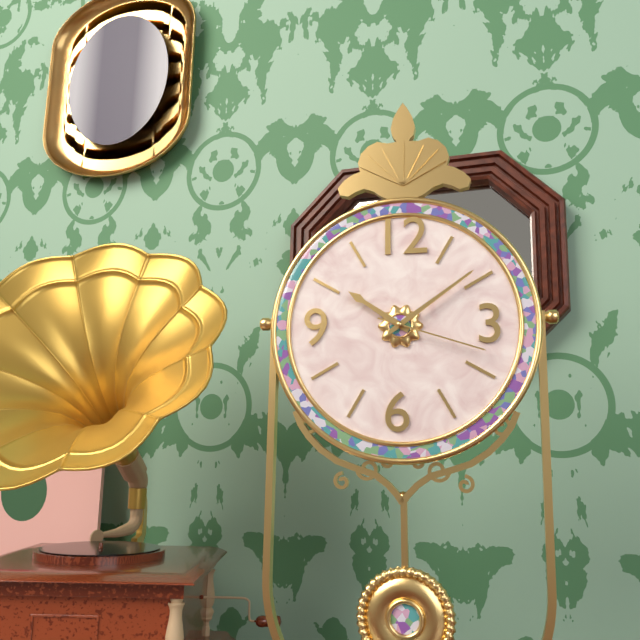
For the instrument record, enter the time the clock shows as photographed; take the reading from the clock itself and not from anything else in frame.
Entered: 10:09:18
